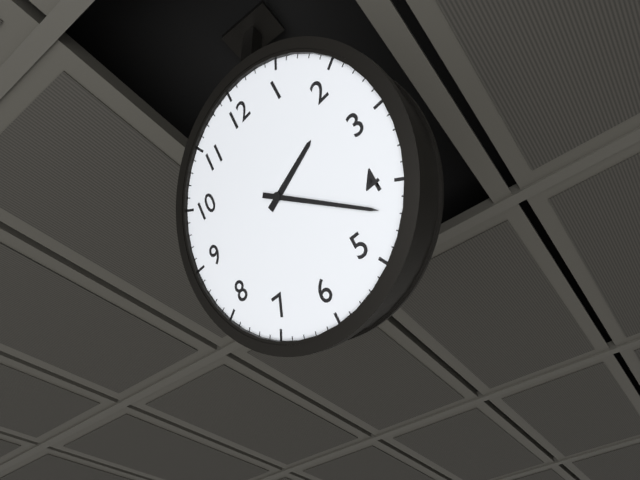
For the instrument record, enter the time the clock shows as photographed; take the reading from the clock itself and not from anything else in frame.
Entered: 2:22
